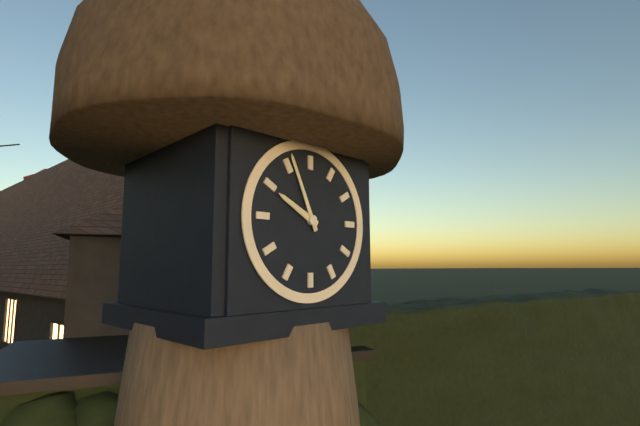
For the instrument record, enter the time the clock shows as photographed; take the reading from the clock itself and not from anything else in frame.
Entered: 9:56
